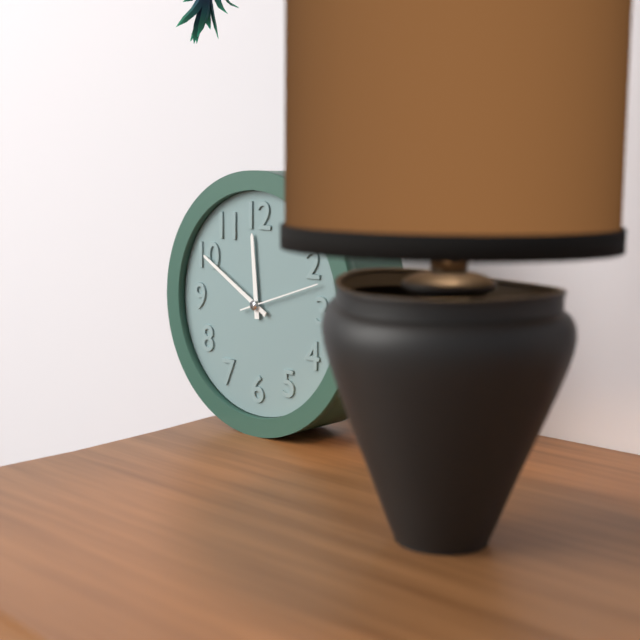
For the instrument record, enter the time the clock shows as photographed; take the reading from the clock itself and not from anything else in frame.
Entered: 11:50:12
